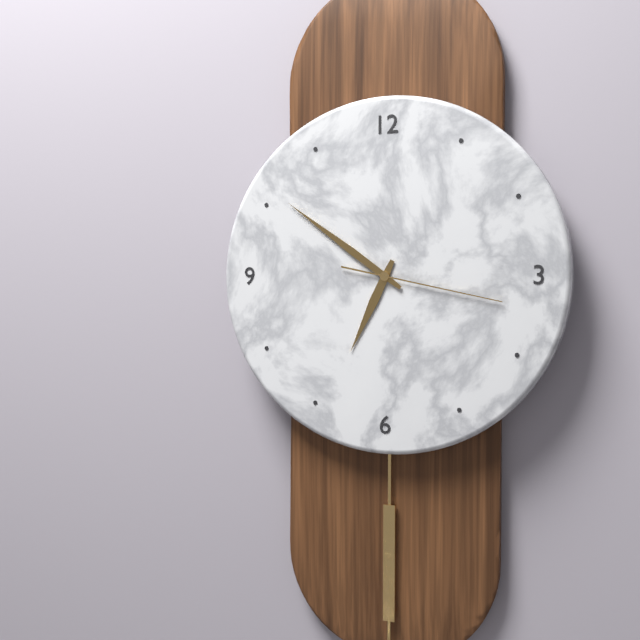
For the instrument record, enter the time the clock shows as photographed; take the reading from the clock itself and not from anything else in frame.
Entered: 6:51:17
